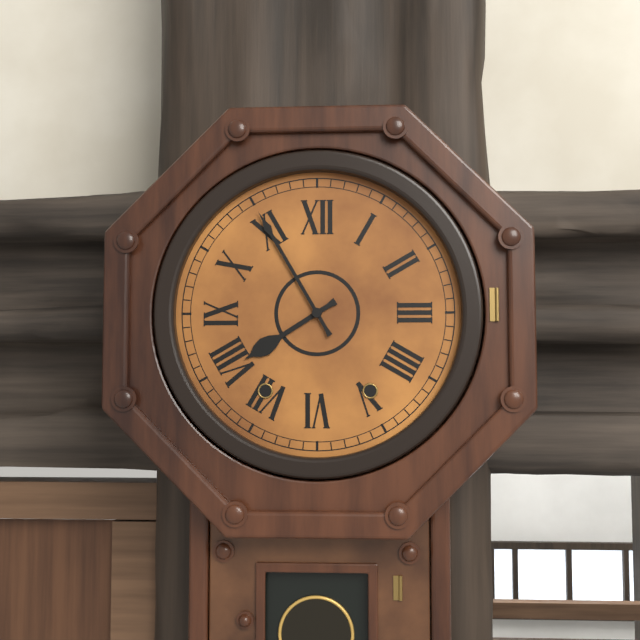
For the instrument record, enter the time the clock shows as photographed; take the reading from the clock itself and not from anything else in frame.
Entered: 7:55
